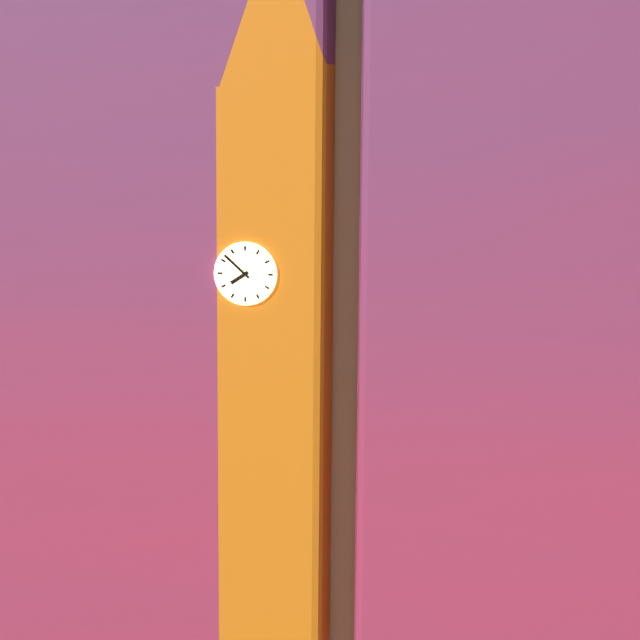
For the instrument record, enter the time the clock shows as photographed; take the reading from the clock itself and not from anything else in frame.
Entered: 7:52
